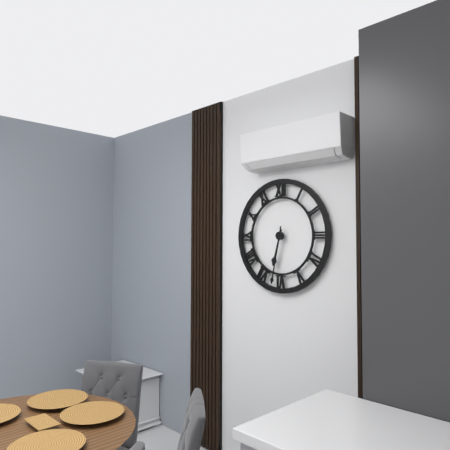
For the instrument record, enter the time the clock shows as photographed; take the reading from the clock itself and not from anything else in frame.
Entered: 6:32
